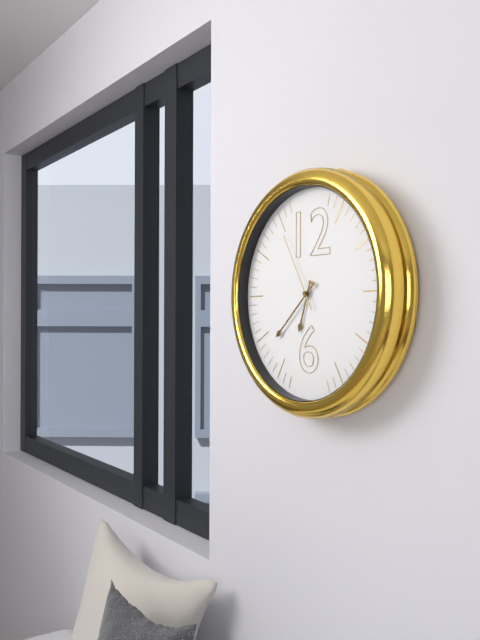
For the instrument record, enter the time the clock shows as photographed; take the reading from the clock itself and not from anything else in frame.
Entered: 6:38:55
